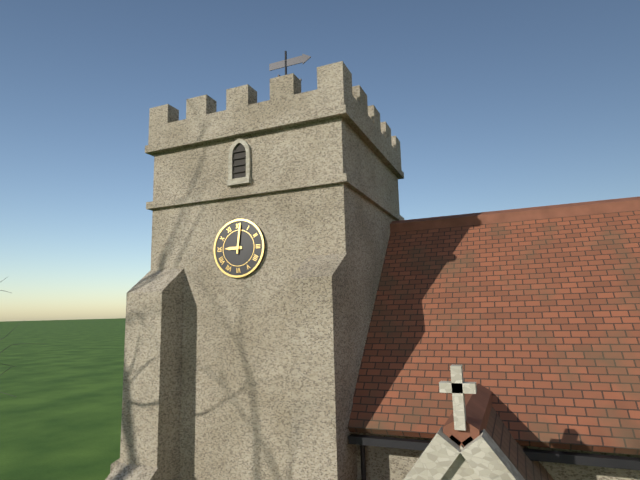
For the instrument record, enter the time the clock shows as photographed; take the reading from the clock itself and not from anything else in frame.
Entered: 9:01
